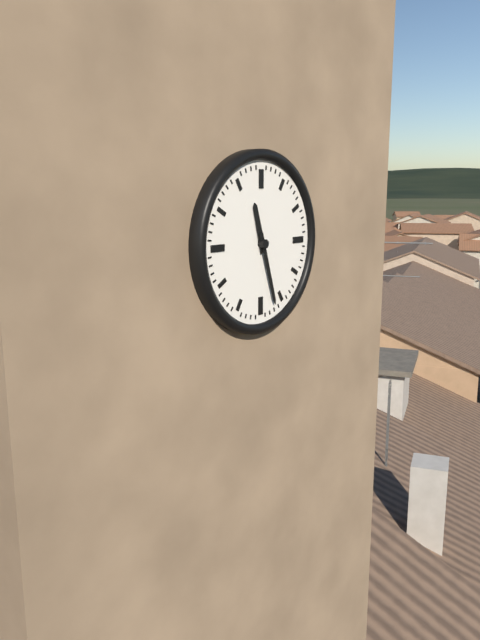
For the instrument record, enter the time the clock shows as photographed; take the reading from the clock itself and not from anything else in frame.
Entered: 11:27
